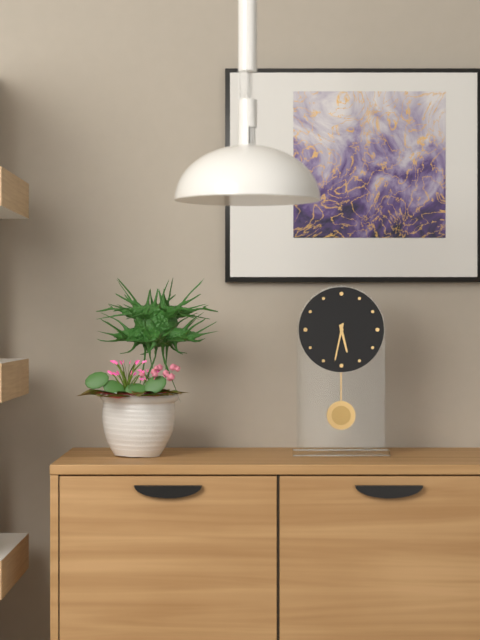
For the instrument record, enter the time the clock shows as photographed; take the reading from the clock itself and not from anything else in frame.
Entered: 5:32
